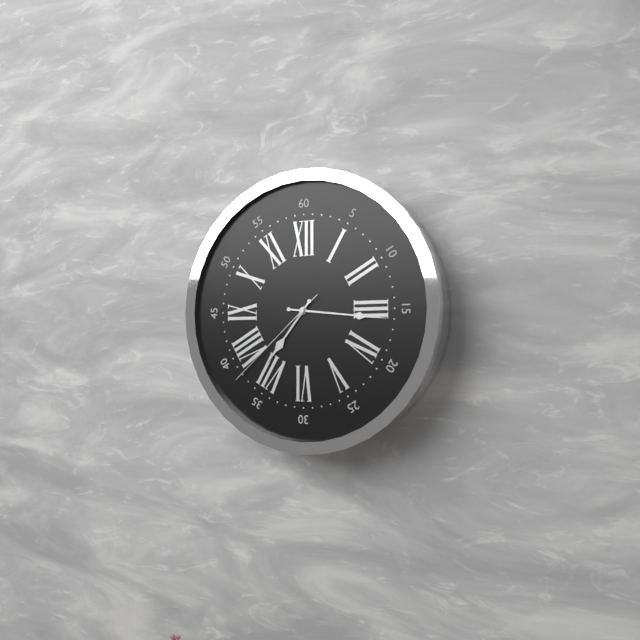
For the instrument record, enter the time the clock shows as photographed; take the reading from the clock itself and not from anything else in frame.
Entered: 7:16:38
